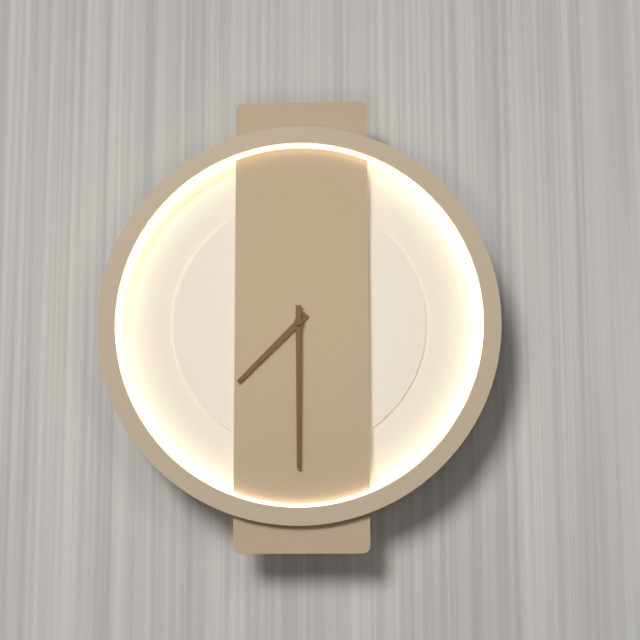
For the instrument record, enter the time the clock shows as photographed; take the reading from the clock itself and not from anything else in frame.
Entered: 7:30
